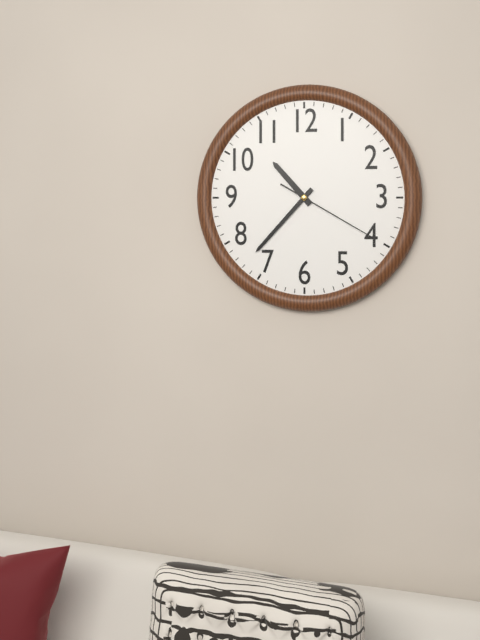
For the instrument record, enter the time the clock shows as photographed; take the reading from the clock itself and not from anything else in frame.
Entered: 10:37:20
